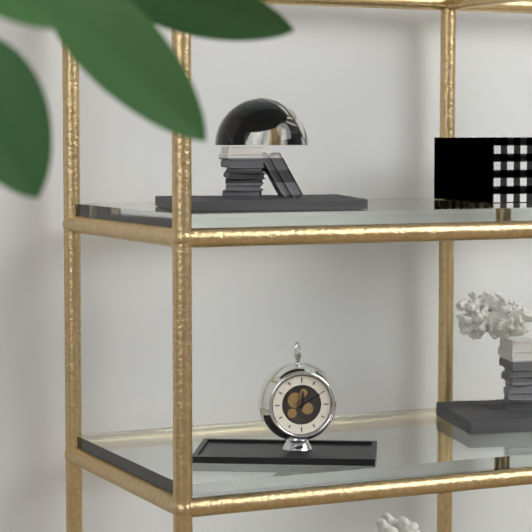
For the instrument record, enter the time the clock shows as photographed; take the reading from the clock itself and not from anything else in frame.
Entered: 12:10
